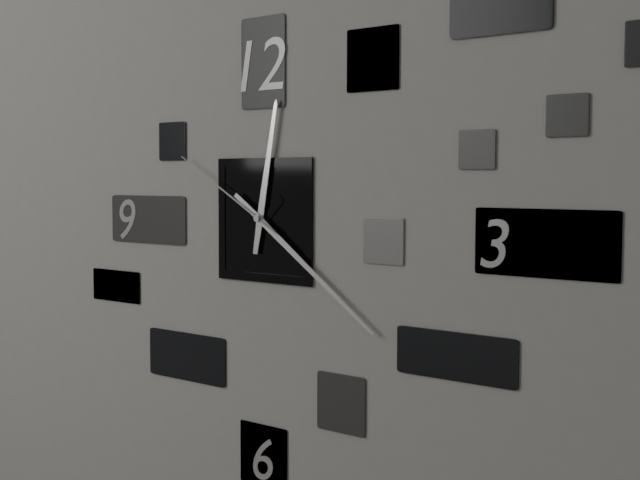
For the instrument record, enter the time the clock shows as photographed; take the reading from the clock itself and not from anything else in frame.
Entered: 12:21:50
